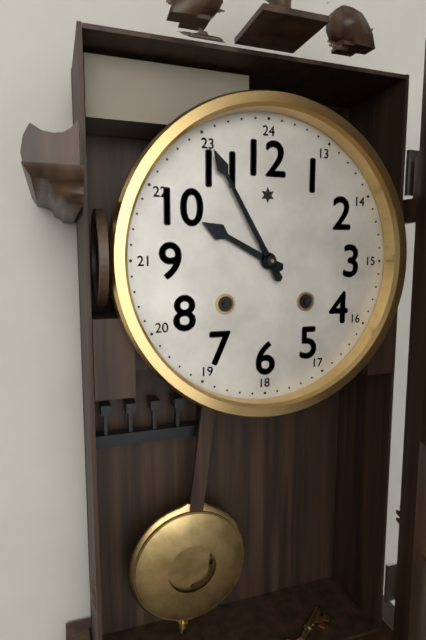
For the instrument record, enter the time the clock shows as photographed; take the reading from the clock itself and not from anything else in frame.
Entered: 9:55
